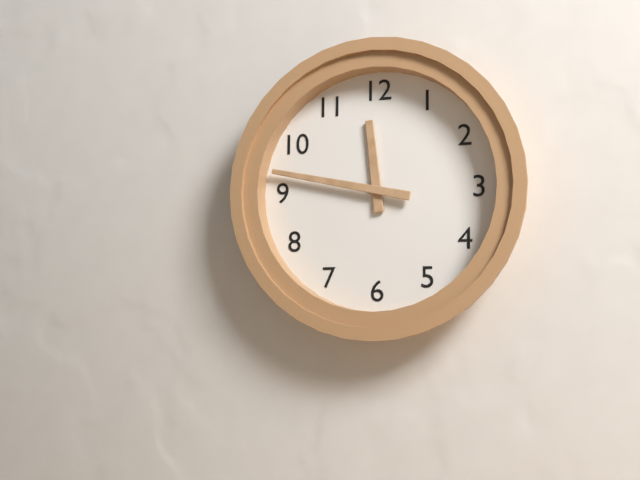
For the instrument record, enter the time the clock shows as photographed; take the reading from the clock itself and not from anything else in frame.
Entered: 11:47
